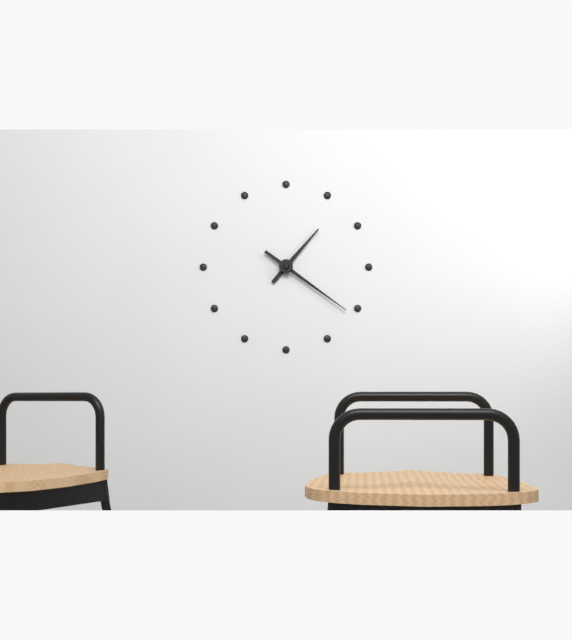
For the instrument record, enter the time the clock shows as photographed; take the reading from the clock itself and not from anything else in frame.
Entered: 1:21
